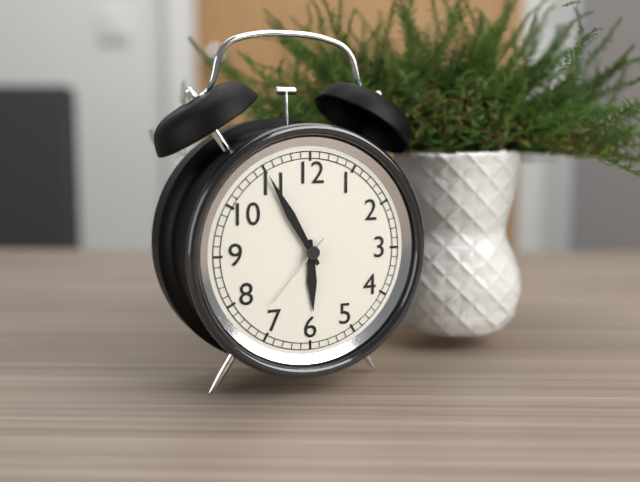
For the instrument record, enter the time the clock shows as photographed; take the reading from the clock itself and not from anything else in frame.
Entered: 5:55:37
